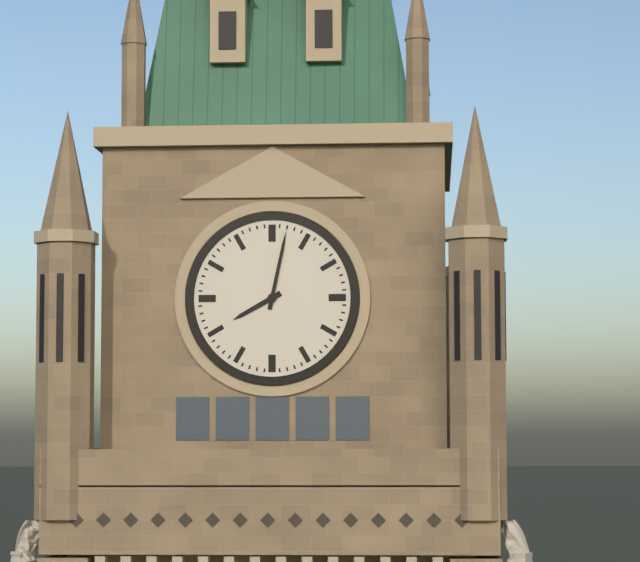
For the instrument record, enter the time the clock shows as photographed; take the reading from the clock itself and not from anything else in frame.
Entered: 8:02
